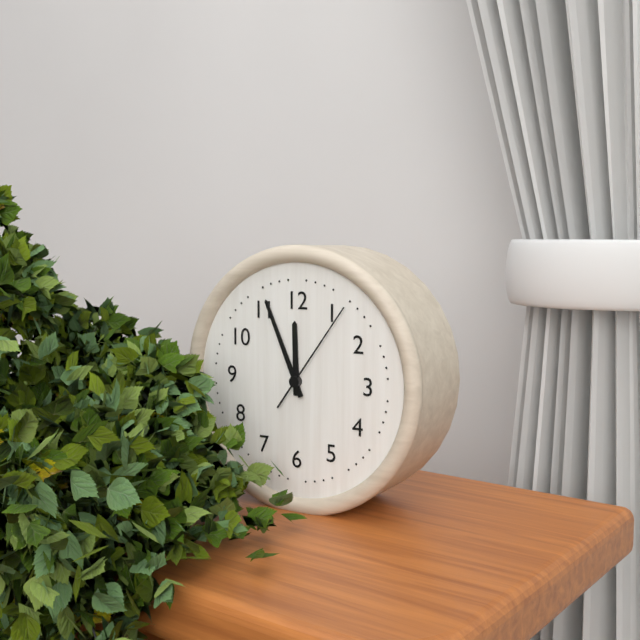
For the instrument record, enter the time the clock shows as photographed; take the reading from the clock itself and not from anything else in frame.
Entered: 11:56:06
